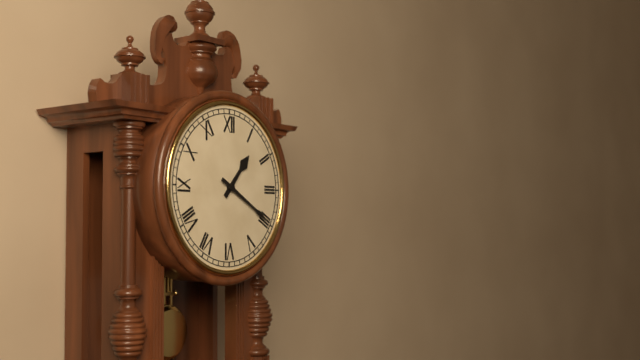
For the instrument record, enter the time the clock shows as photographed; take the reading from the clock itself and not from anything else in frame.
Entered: 1:20
